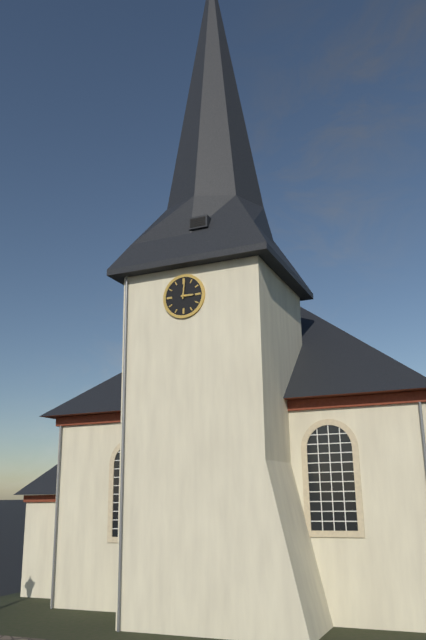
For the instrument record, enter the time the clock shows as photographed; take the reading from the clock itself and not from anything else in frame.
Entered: 3:01
